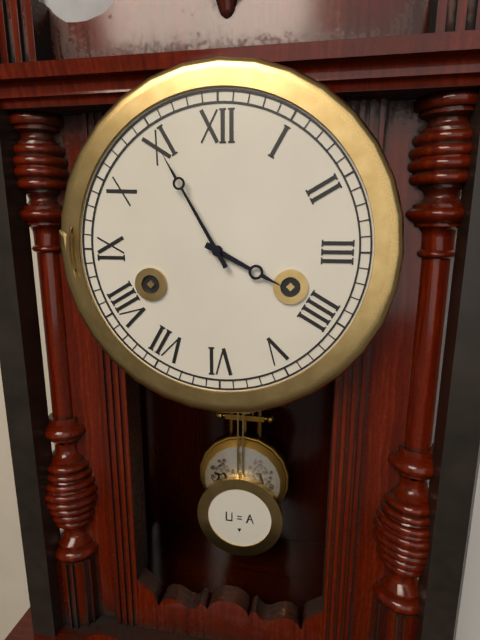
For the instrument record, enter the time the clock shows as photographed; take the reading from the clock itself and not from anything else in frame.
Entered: 3:55
